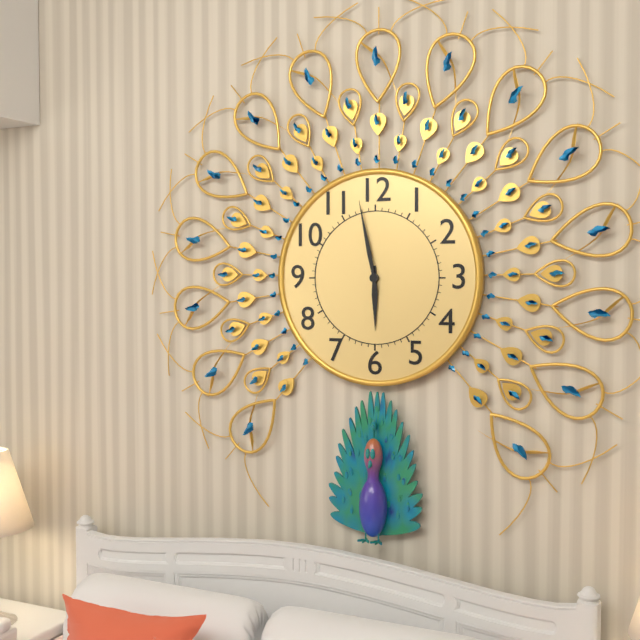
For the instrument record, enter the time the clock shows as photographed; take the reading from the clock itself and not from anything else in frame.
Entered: 5:58
